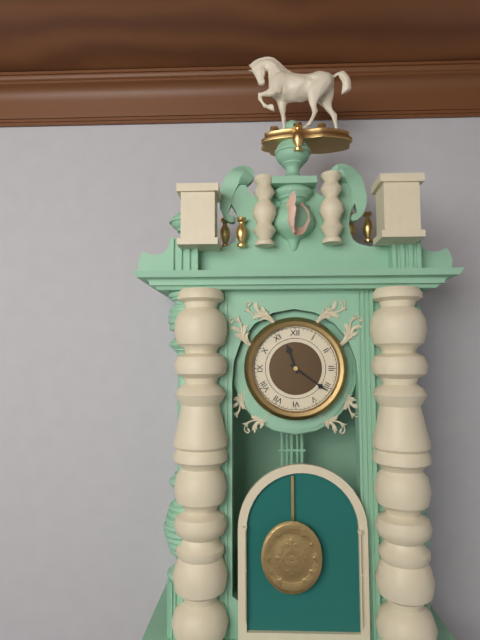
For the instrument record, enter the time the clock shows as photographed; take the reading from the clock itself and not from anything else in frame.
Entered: 11:21
